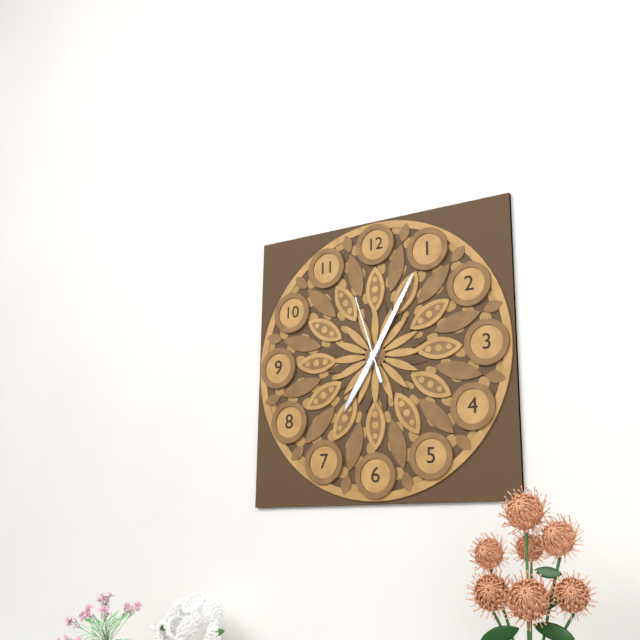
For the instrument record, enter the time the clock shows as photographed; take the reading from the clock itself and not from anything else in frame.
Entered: 7:05:57
